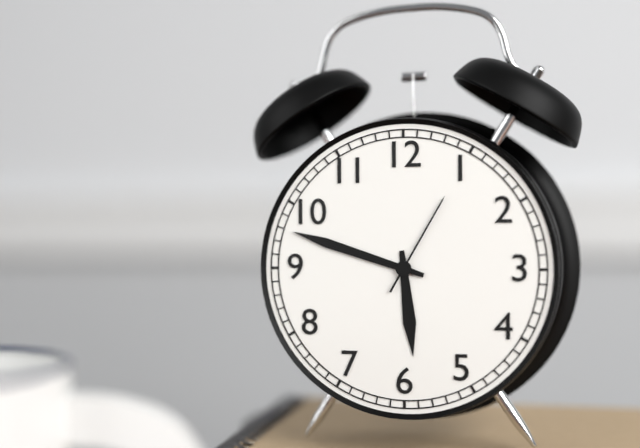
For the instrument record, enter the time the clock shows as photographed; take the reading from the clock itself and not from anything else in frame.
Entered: 5:48:05
